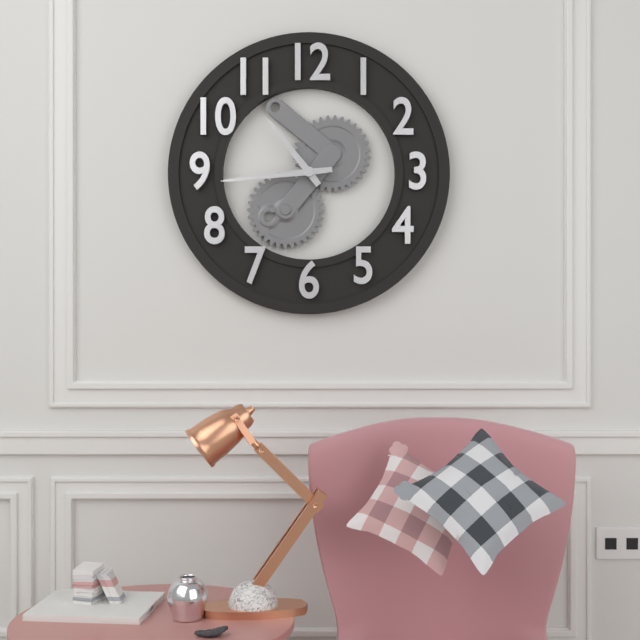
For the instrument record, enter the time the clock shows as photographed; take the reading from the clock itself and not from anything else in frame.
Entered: 10:44
